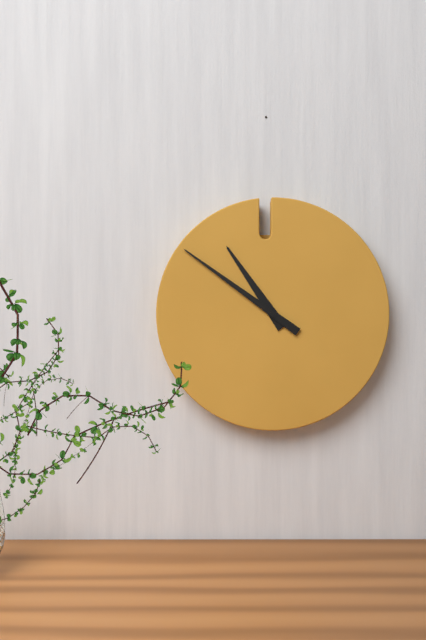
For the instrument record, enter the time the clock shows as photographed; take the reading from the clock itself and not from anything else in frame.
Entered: 10:51
